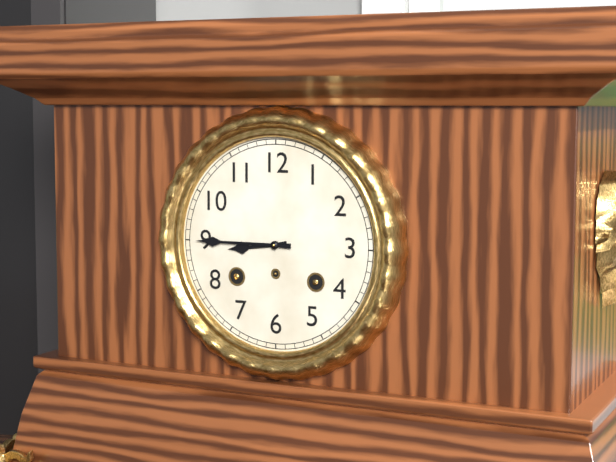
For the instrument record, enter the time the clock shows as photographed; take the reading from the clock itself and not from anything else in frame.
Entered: 8:45
